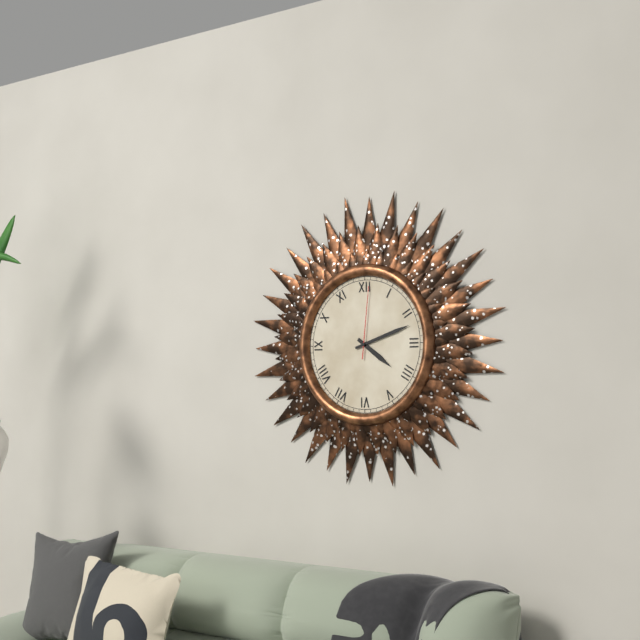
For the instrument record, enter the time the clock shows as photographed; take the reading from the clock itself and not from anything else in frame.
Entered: 4:12:01
